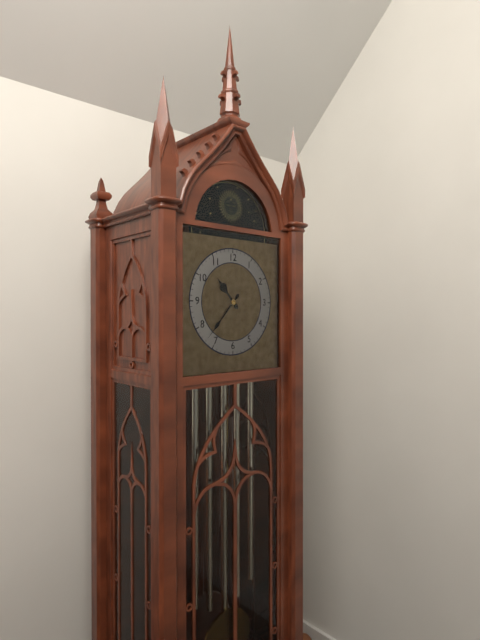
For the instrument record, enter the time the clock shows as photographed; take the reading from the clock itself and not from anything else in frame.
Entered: 10:37
